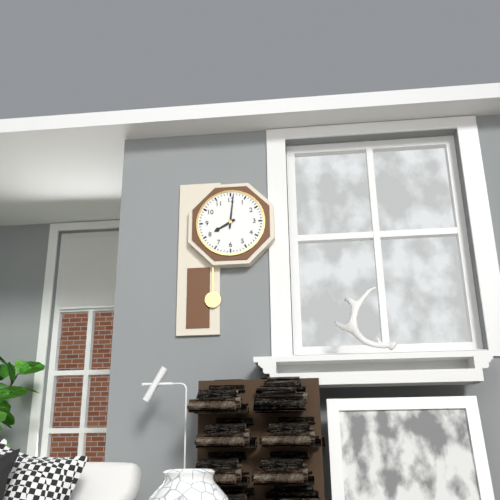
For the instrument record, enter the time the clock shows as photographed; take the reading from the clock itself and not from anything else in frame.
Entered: 8:01
